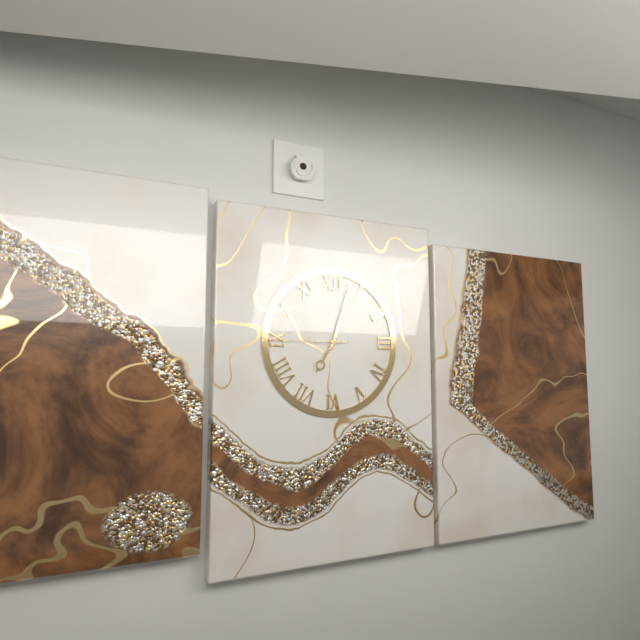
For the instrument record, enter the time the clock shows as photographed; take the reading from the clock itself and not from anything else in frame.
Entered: 7:03:45
